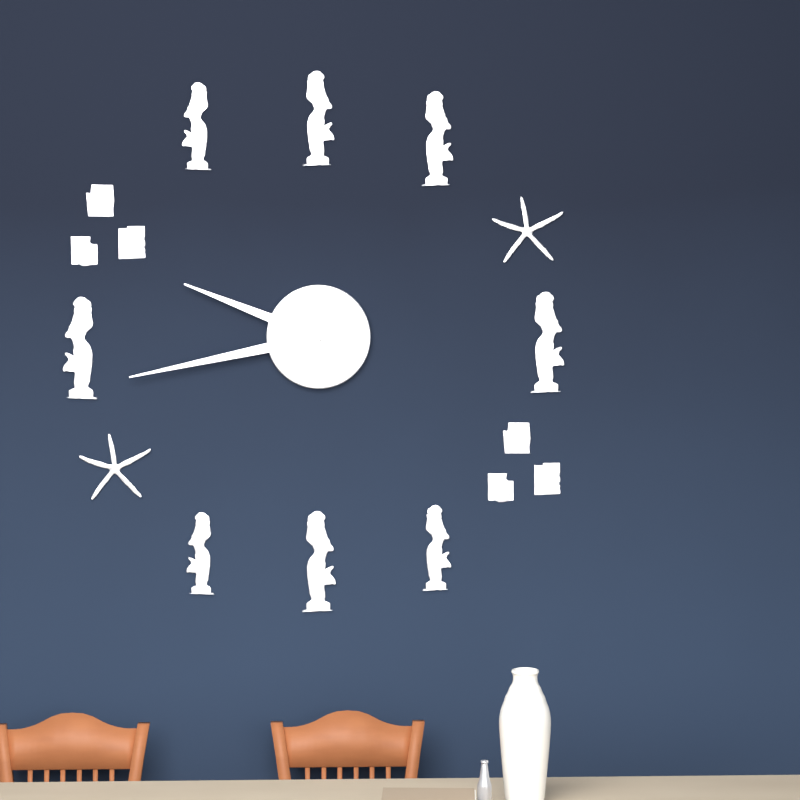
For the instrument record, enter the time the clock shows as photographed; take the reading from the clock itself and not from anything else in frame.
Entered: 9:43
